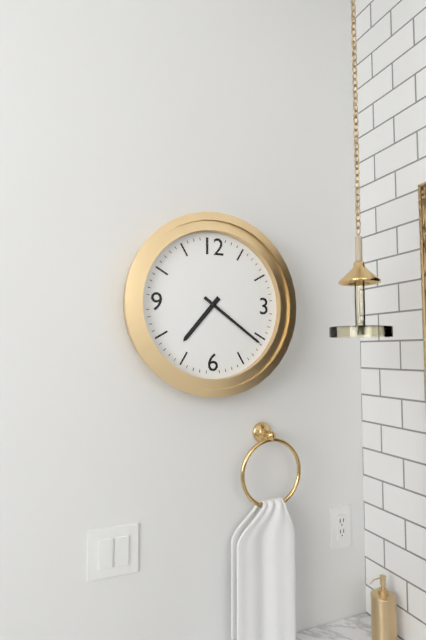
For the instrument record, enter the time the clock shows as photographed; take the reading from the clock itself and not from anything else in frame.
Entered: 7:21
